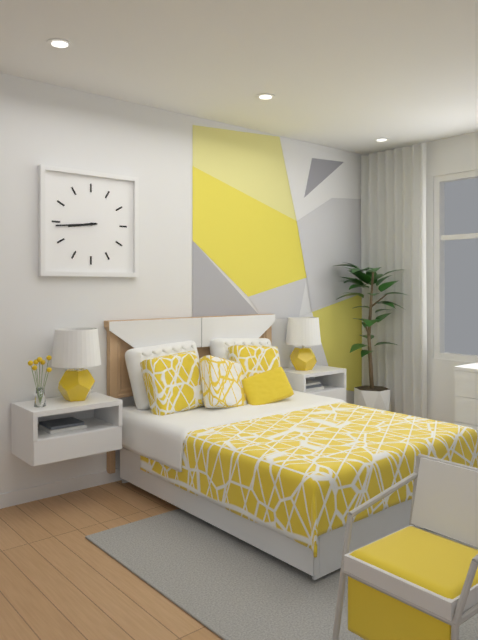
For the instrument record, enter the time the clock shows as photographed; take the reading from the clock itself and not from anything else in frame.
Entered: 8:44
